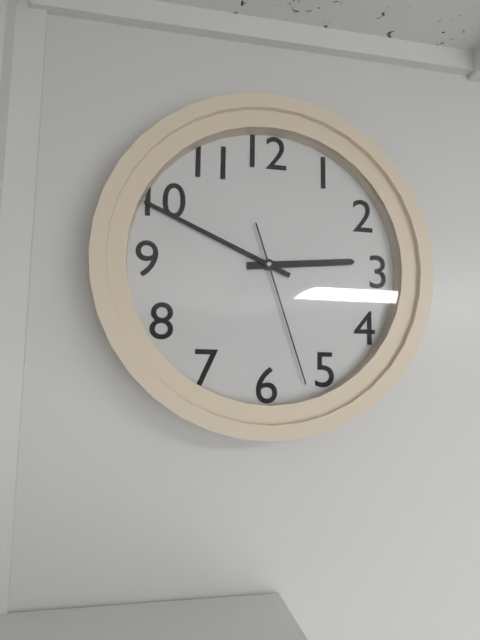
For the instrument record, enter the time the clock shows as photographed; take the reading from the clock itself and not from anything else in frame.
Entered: 2:49:27
